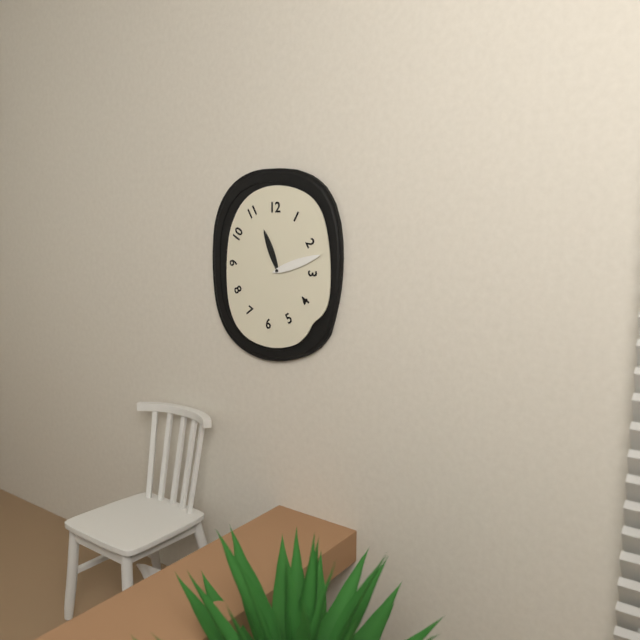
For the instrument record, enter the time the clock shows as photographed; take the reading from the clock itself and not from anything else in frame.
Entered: 11:12
